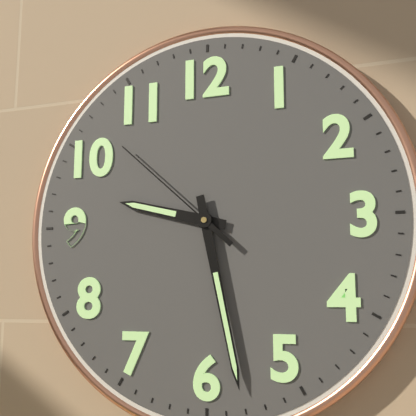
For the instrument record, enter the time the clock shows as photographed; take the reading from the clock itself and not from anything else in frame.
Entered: 9:28:52
